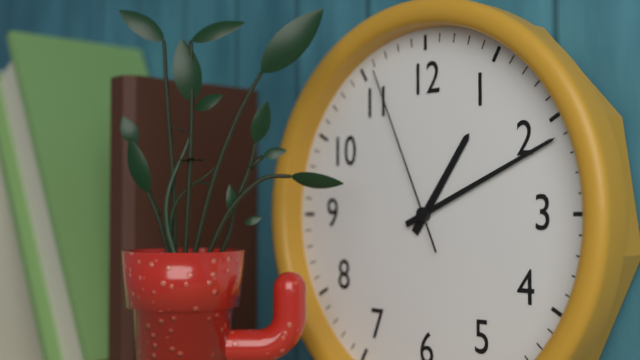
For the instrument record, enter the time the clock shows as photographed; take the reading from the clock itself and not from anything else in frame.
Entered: 1:11:56
